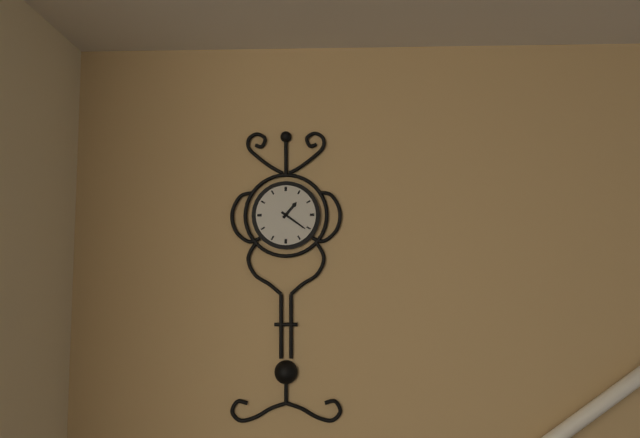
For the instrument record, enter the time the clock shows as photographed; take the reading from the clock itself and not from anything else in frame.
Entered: 1:21
